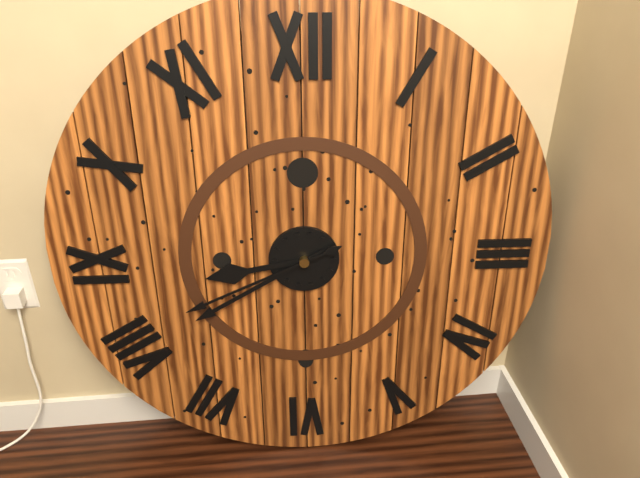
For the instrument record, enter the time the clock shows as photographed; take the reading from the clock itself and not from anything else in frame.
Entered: 8:40:41
